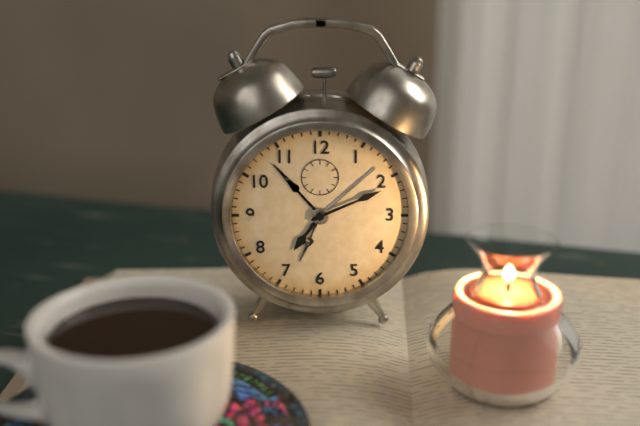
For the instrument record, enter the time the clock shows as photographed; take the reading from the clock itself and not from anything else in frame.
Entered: 7:11
